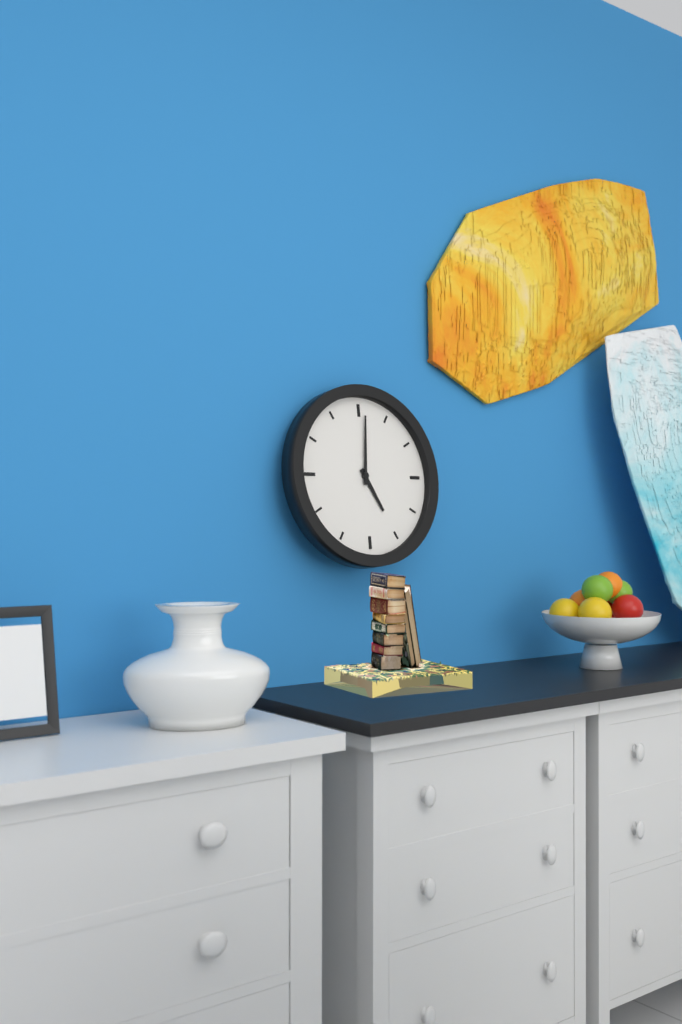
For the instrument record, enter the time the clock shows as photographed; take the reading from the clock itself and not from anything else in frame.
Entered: 5:01
